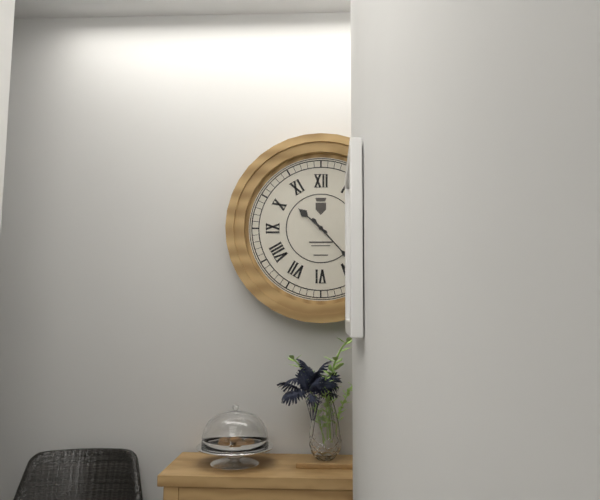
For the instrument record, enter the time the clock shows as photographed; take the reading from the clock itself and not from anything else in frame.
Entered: 10:23
